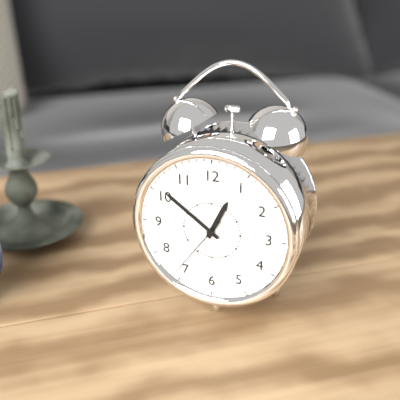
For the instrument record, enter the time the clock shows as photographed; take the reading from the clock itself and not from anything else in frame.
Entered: 12:51:36
